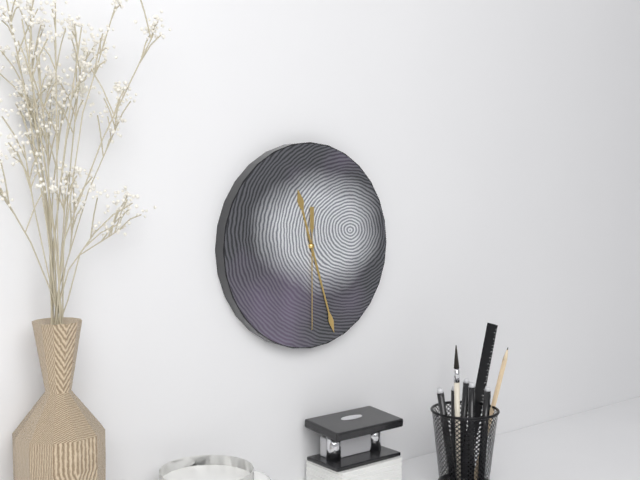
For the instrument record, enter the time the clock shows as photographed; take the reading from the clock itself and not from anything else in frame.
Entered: 11:27:30
